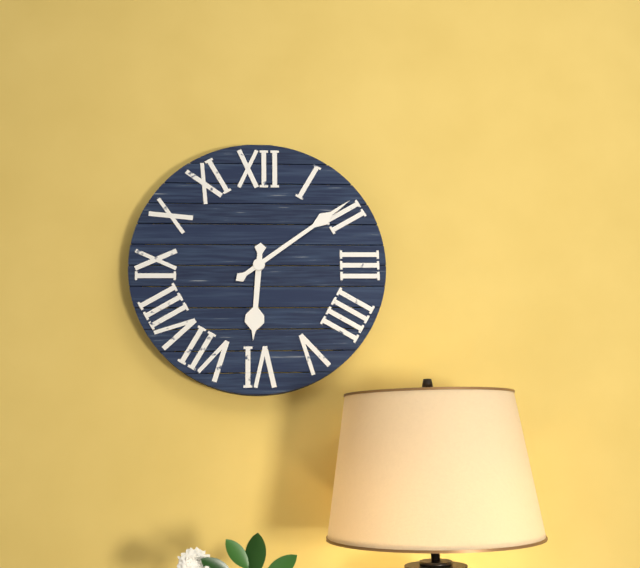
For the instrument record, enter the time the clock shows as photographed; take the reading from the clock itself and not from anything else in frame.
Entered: 6:09
